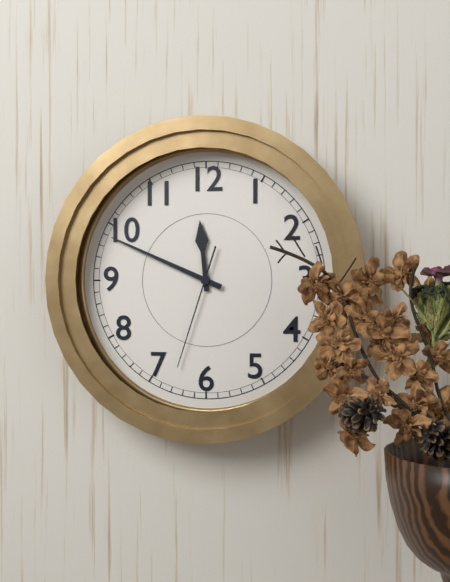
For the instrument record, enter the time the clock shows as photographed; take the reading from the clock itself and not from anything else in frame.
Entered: 11:49:33
